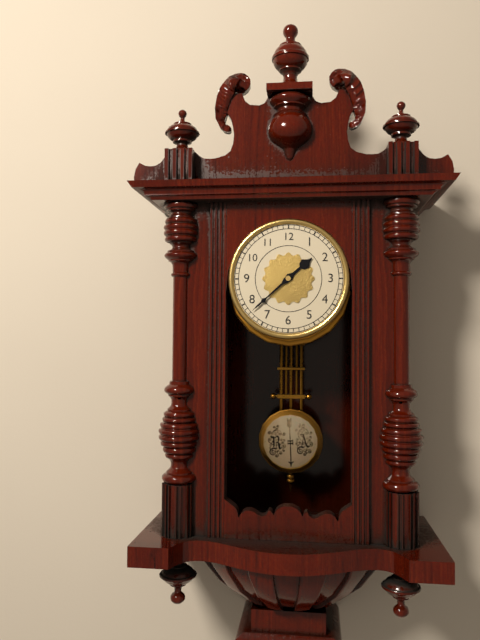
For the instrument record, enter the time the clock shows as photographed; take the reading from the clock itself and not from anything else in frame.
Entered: 1:38
